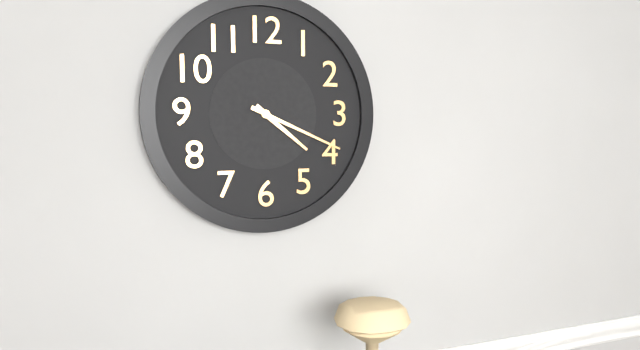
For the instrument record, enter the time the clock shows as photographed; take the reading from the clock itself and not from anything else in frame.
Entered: 4:19
